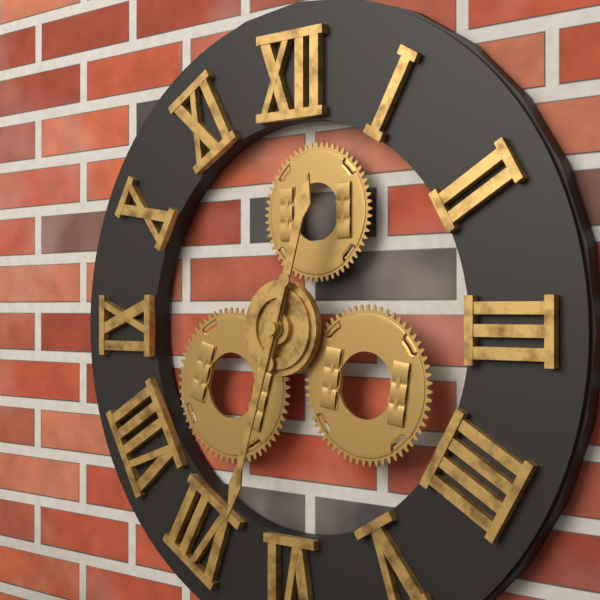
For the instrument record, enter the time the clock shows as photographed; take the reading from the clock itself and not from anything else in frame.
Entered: 12:33
